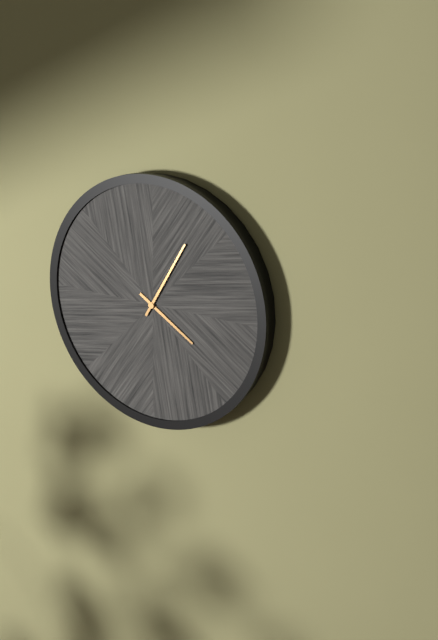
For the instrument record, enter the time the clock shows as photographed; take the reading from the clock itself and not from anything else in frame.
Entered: 4:05
